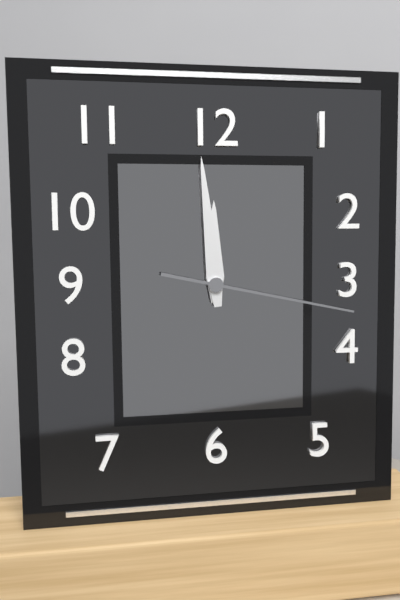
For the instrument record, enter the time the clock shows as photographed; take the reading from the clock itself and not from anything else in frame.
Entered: 11:59:17
